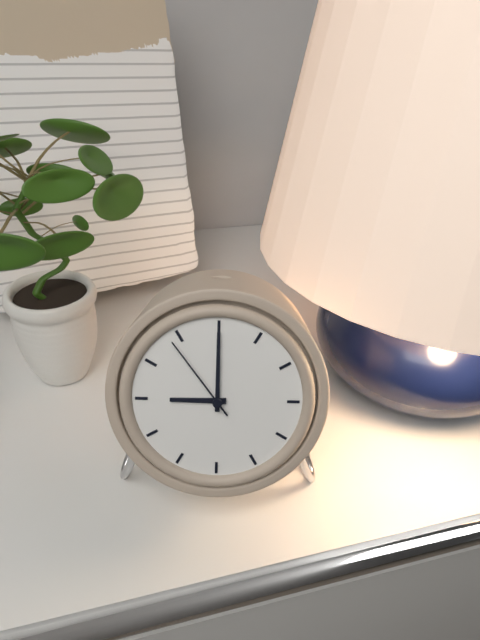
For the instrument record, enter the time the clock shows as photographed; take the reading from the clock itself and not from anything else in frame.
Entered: 9:00:54
